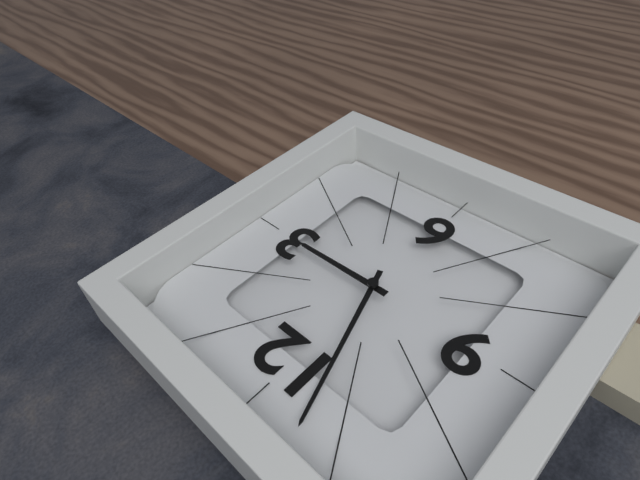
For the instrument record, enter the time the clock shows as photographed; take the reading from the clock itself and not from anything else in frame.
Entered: 2:57
